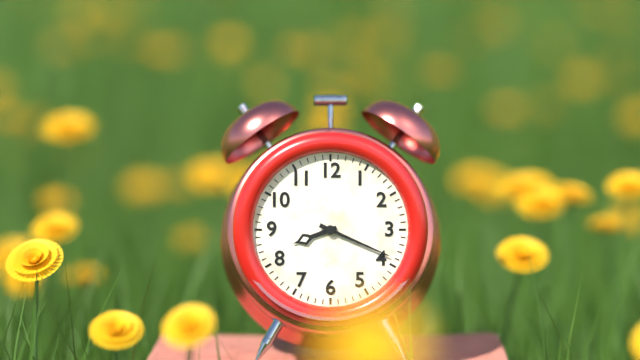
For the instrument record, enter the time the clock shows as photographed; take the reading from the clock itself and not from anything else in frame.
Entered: 8:19
